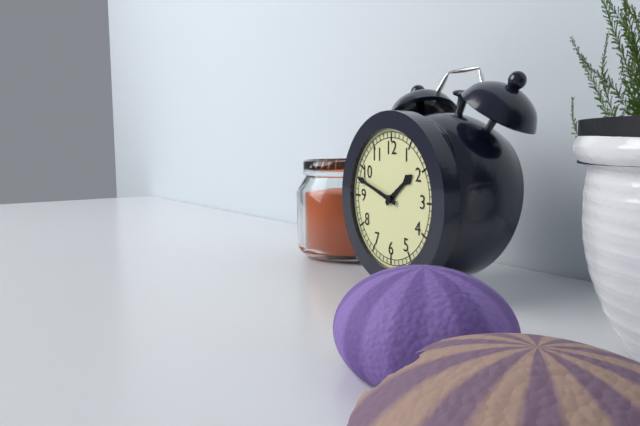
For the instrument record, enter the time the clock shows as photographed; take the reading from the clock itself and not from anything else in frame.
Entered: 1:48
